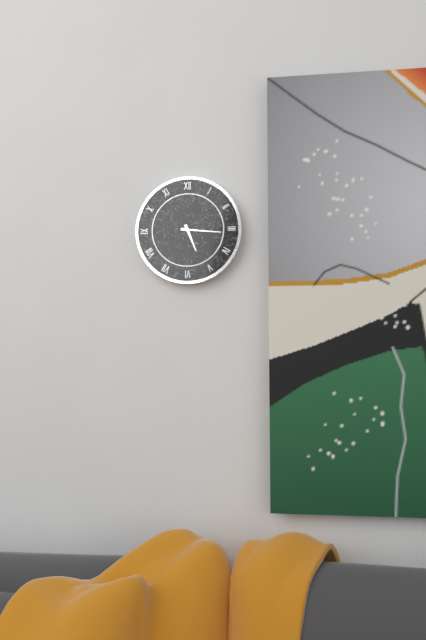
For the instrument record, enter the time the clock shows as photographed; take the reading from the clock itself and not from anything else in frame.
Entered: 5:16
